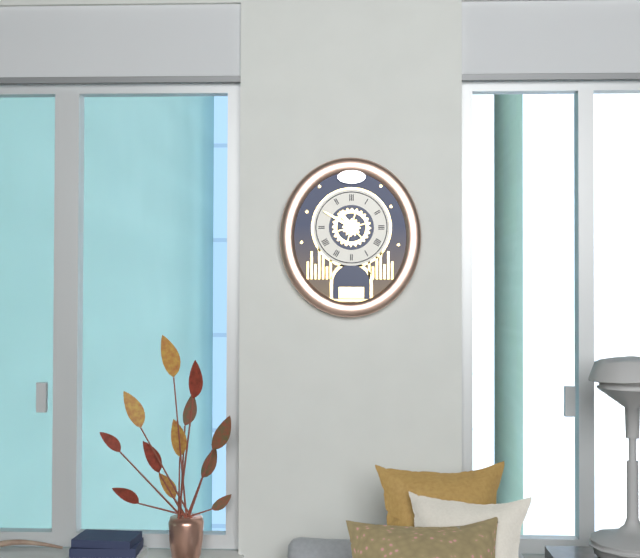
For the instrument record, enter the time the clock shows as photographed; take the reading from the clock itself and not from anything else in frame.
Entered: 10:50
